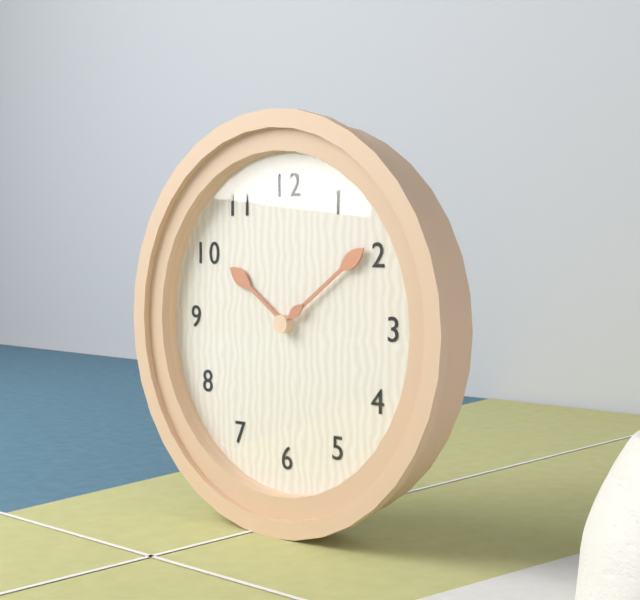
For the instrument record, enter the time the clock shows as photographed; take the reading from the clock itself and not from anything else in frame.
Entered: 10:09
